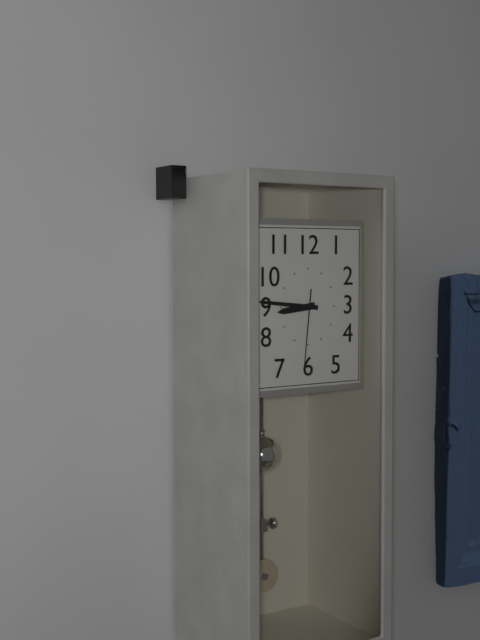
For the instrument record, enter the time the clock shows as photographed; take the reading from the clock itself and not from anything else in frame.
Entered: 8:46:31
